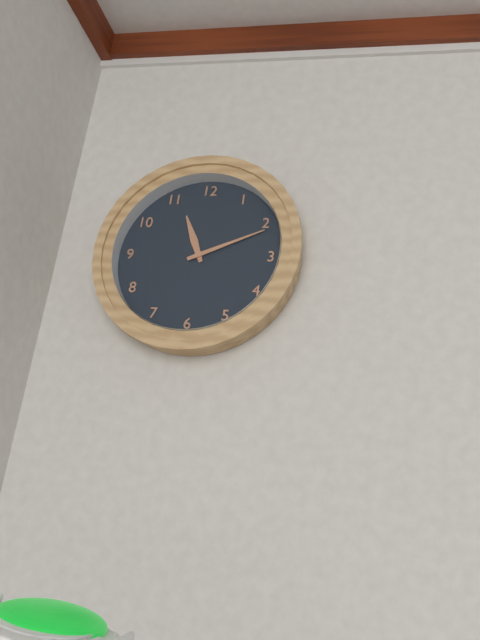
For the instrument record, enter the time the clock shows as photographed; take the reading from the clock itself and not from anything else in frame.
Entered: 11:11
